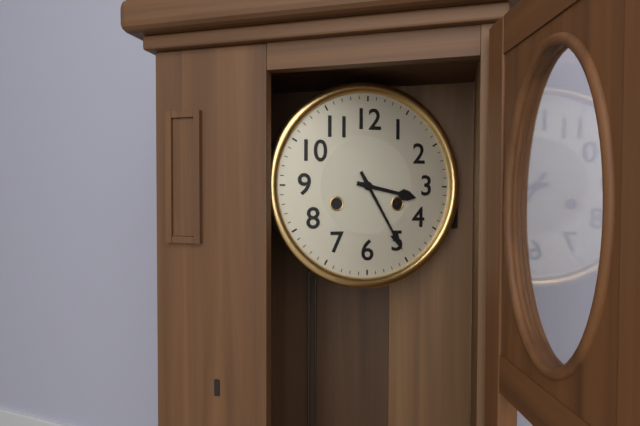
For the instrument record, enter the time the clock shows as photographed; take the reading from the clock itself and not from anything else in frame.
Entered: 3:25
